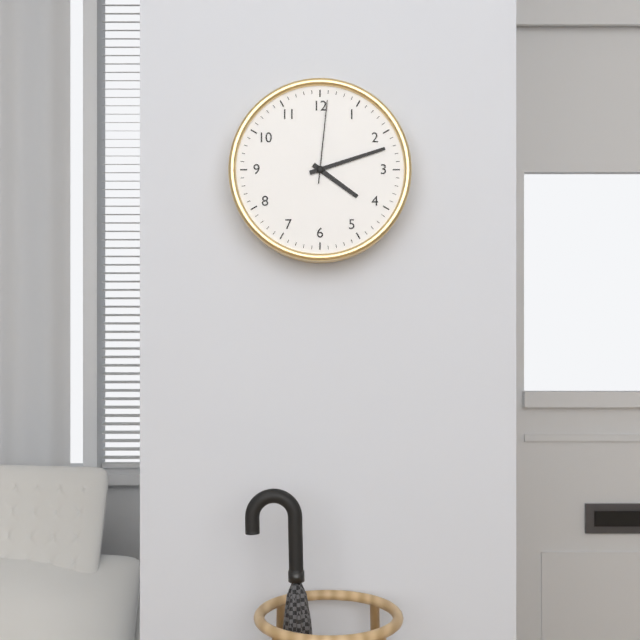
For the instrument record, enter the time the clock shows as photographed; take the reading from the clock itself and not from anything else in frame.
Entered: 4:12:01
